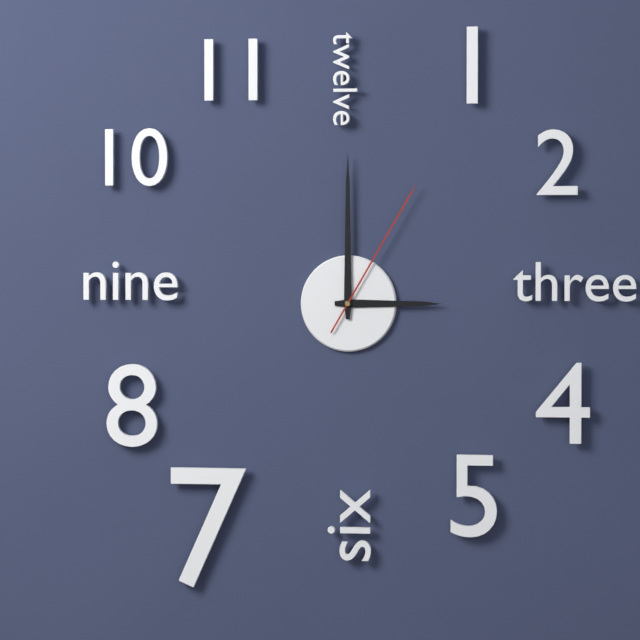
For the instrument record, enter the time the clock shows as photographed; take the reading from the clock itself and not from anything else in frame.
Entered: 3:00:05
